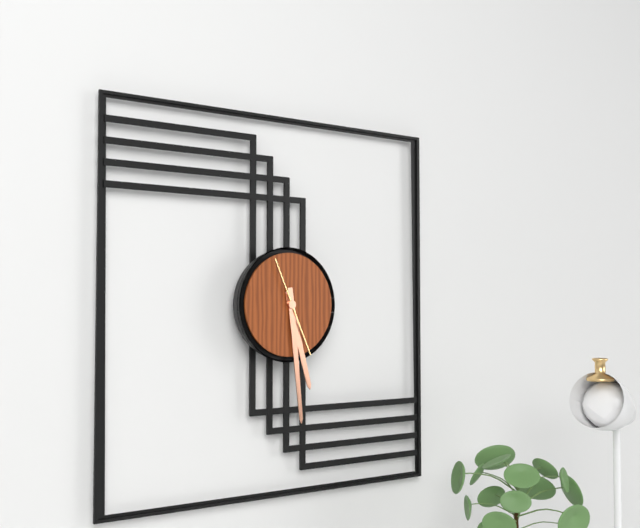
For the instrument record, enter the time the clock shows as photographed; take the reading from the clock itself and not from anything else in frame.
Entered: 5:29:26
